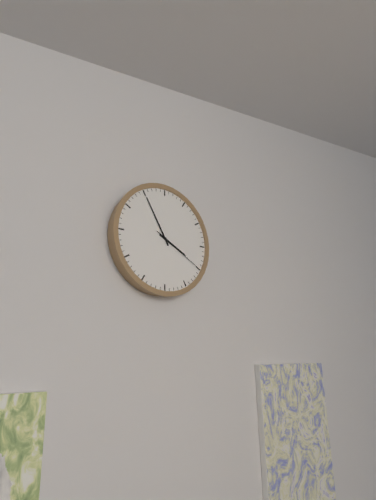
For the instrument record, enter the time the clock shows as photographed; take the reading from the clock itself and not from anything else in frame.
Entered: 3:55:20
